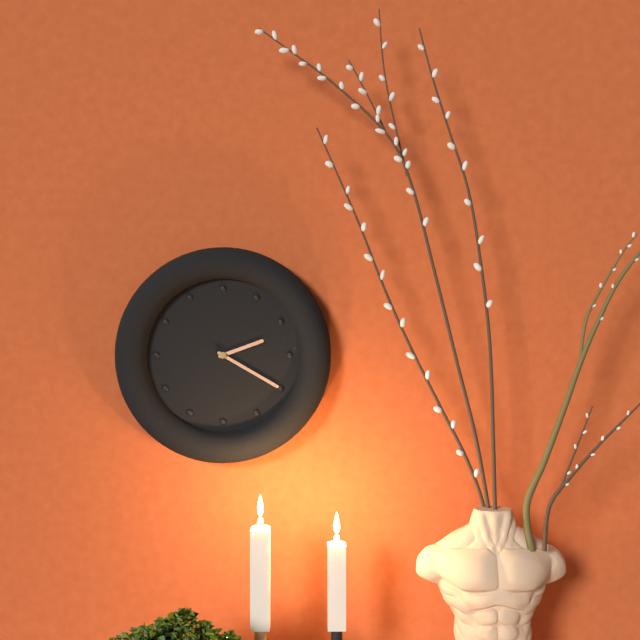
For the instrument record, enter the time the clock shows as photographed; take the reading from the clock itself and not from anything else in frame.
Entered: 2:20
